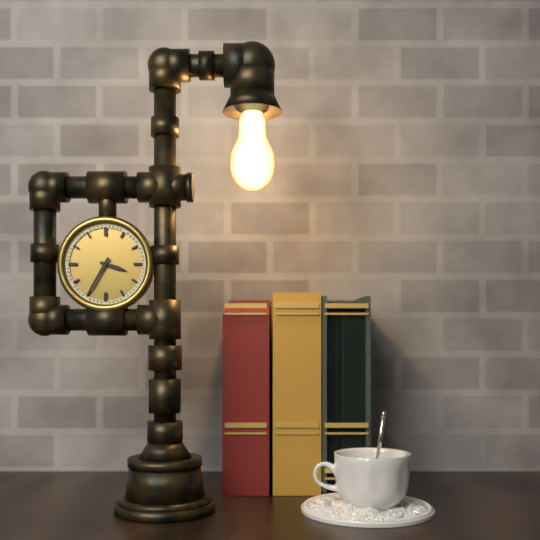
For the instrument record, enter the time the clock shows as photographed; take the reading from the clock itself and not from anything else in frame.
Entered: 3:35
